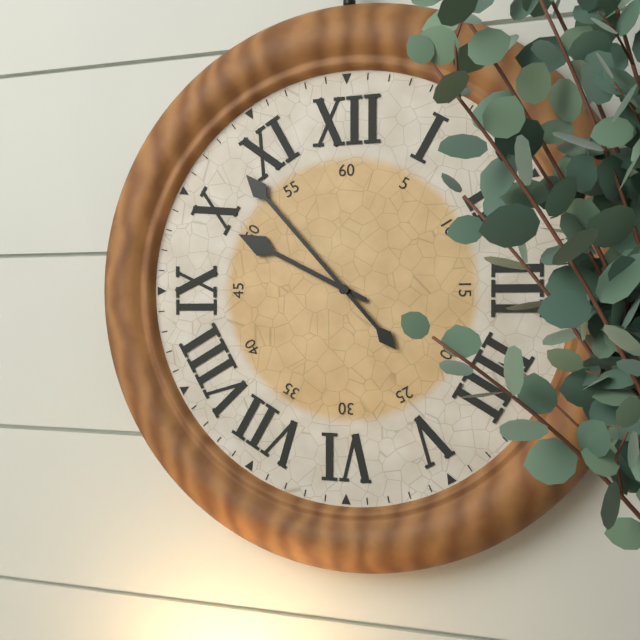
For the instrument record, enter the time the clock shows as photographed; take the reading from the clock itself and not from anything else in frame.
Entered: 9:53
